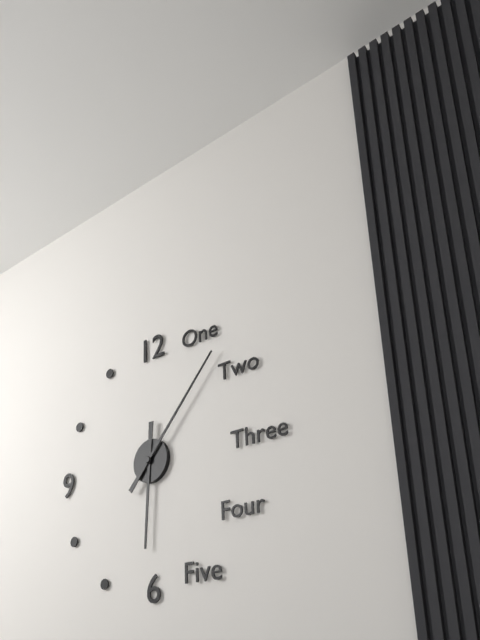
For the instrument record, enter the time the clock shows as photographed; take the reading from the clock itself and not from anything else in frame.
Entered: 6:07
